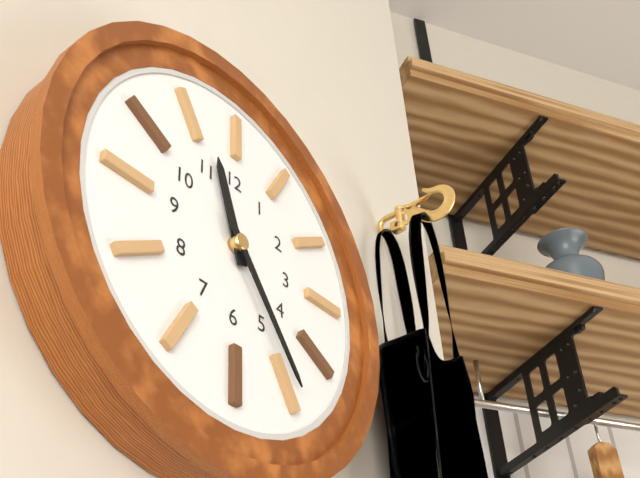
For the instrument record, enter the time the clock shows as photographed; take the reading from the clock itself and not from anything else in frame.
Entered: 11:24
